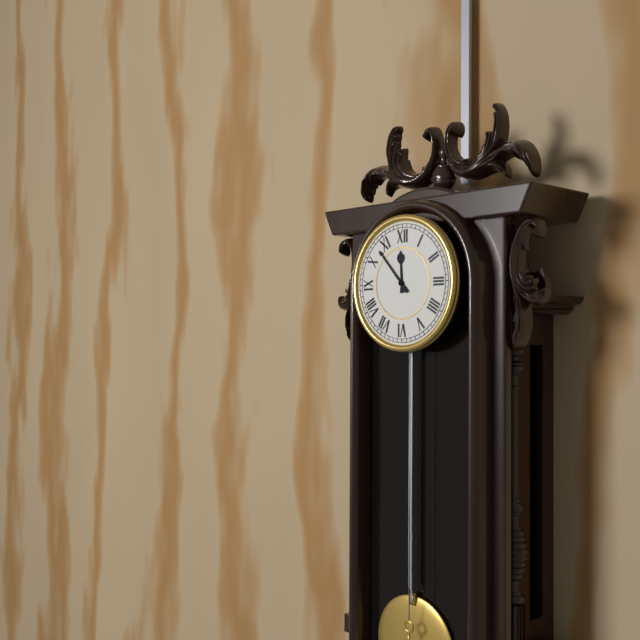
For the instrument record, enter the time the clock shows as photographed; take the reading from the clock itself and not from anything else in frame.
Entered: 11:53
